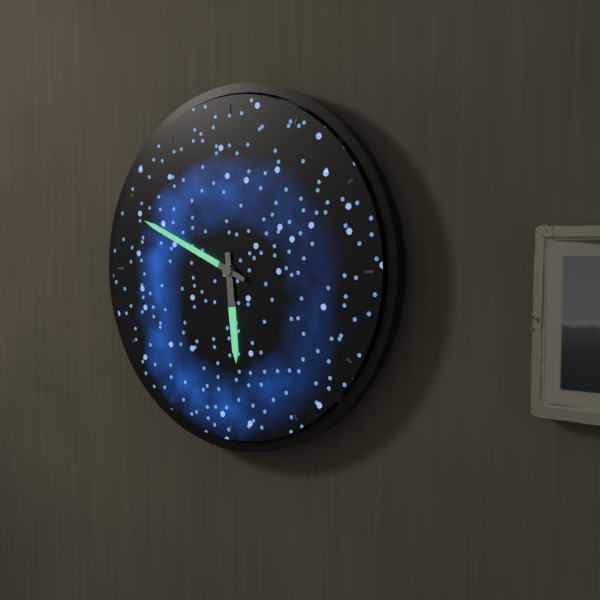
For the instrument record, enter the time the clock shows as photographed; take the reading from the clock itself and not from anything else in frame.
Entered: 5:49
